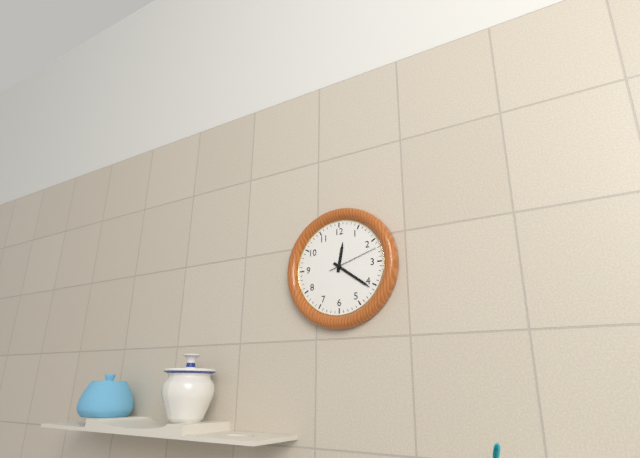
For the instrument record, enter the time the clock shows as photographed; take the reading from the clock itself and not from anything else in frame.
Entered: 12:21:12
